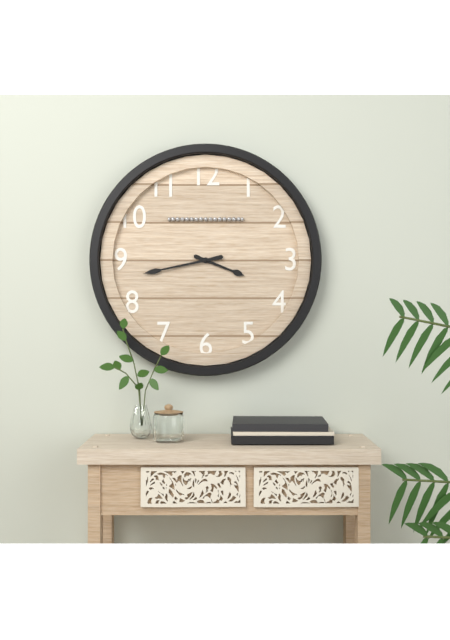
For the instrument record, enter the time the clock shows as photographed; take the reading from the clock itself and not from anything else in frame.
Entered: 3:43
